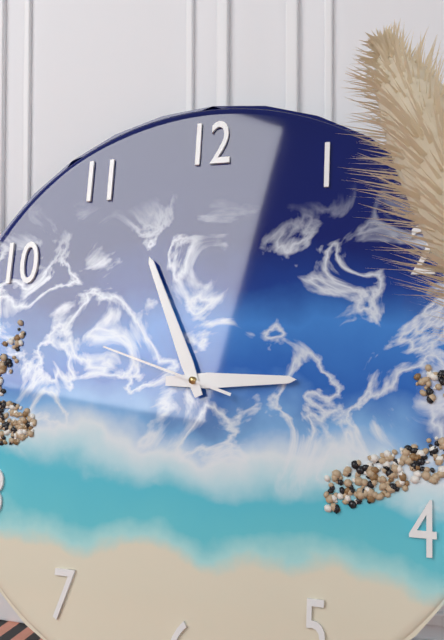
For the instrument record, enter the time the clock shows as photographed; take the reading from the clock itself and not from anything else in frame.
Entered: 2:56:48
